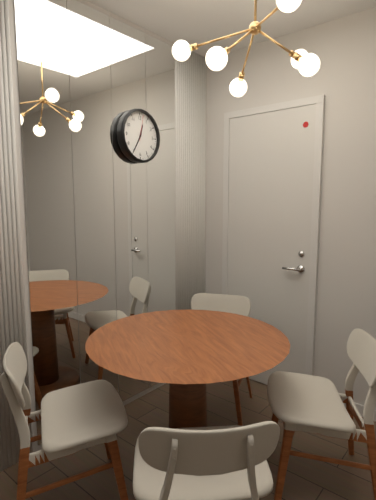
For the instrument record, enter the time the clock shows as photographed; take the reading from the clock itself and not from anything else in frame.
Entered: 12:35
